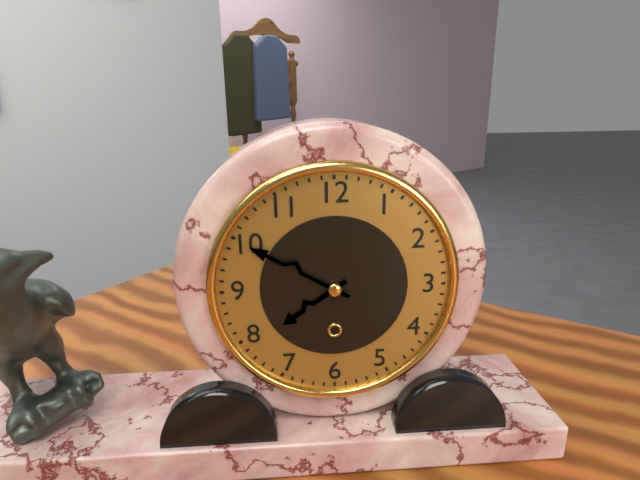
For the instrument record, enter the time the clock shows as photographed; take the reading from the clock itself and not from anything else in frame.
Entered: 7:50
